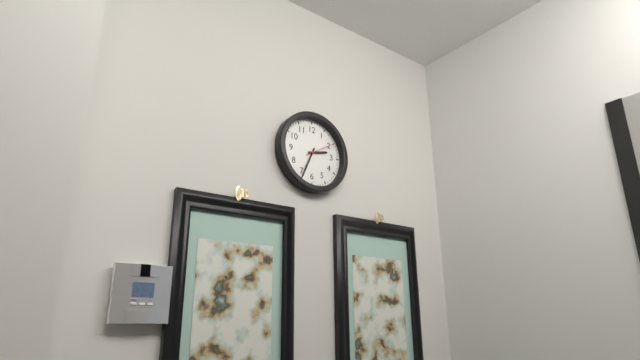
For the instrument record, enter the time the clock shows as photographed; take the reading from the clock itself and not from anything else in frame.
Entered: 2:34
